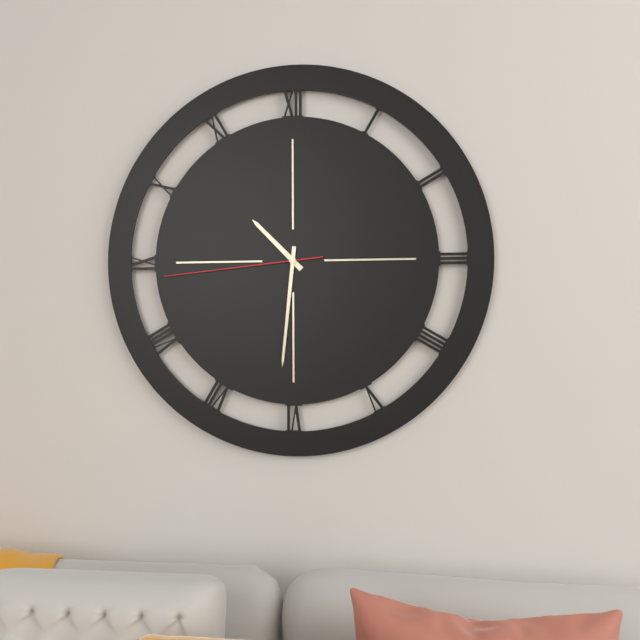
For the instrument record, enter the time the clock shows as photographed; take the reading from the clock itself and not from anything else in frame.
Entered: 10:31:44
